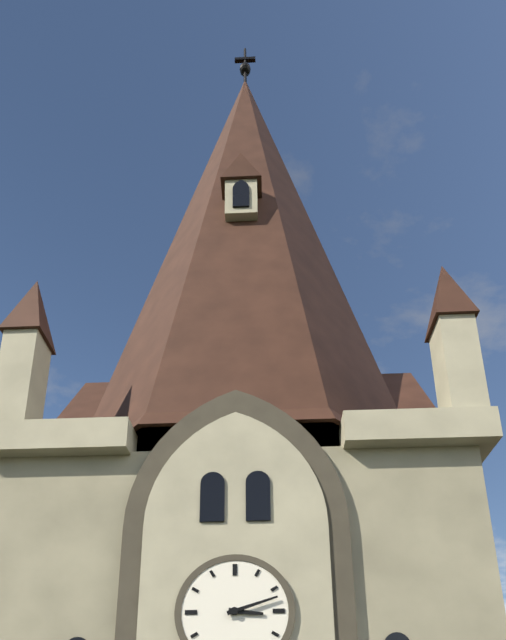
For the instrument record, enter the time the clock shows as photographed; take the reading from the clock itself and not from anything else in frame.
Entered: 3:12
